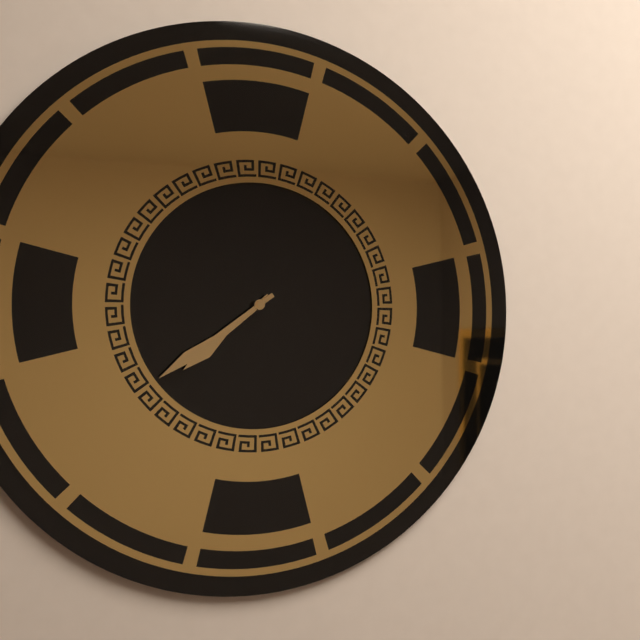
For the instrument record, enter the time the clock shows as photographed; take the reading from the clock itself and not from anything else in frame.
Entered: 7:39
